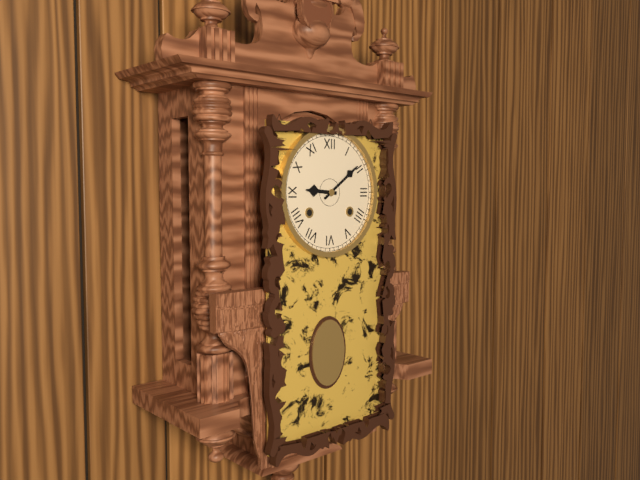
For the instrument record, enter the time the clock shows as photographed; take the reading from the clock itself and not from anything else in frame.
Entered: 9:09
